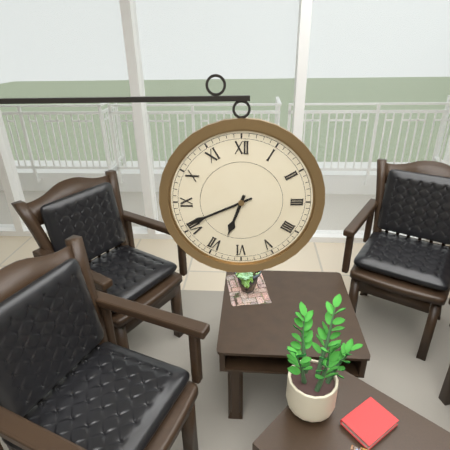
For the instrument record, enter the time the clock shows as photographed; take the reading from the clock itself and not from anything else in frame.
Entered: 6:41
